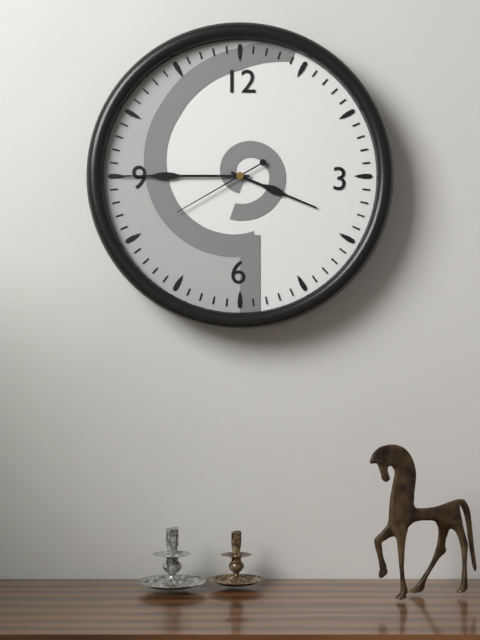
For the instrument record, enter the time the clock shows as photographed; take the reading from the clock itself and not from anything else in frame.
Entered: 3:45:40
